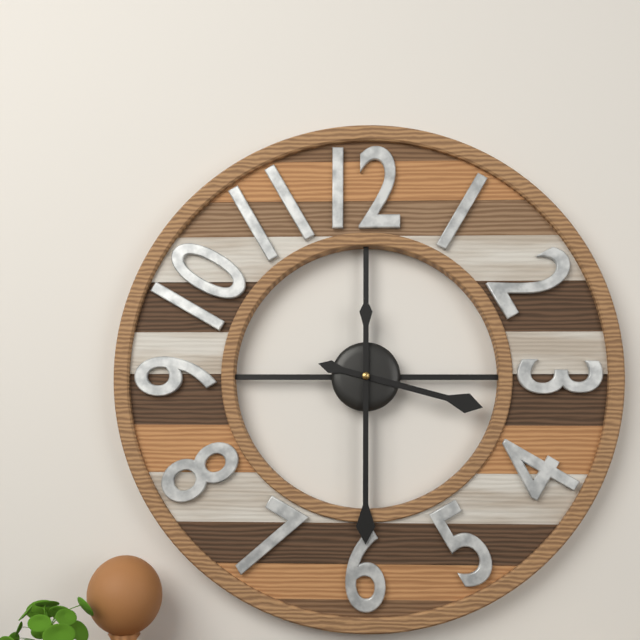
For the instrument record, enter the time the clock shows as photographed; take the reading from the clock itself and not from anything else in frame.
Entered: 3:30
